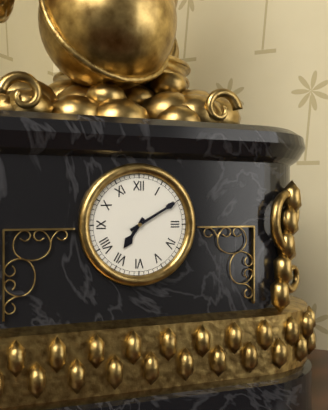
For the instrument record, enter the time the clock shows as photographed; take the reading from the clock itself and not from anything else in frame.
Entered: 7:10
